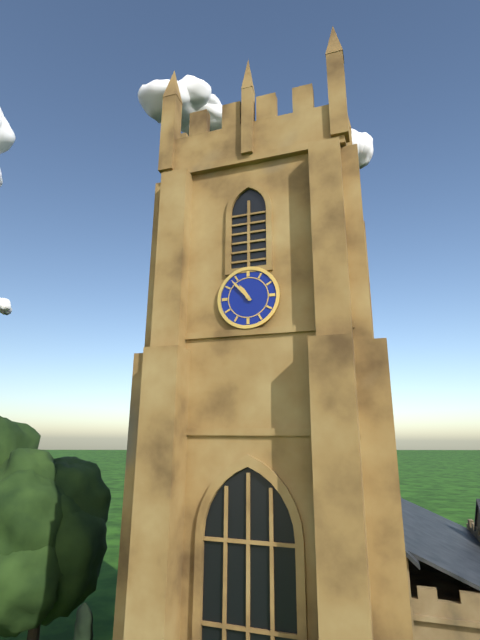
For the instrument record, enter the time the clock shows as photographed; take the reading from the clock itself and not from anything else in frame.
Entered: 10:53
